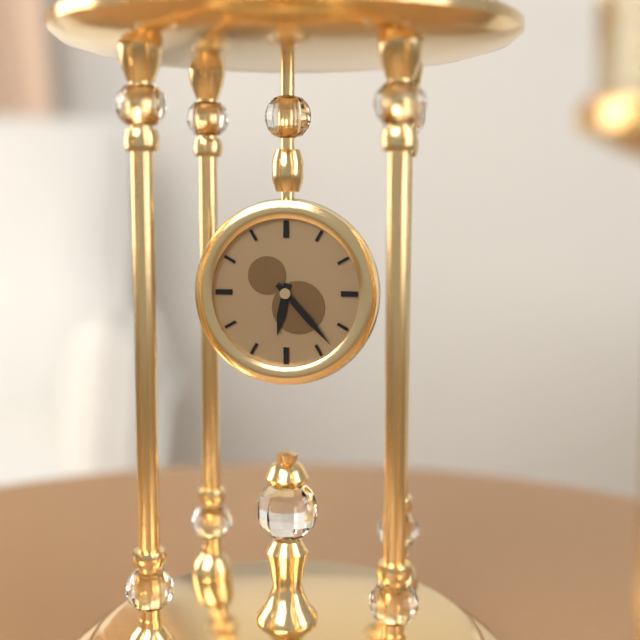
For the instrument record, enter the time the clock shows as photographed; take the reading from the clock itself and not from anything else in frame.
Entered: 6:23
